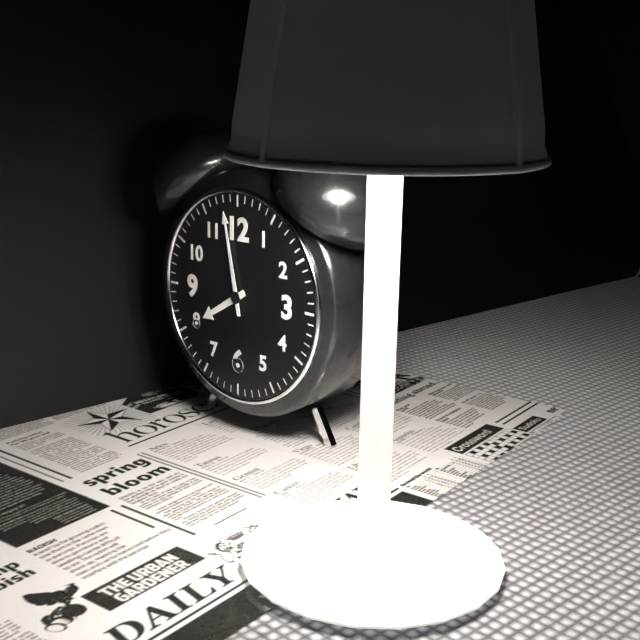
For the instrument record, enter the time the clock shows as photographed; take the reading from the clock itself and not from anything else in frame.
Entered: 7:58
